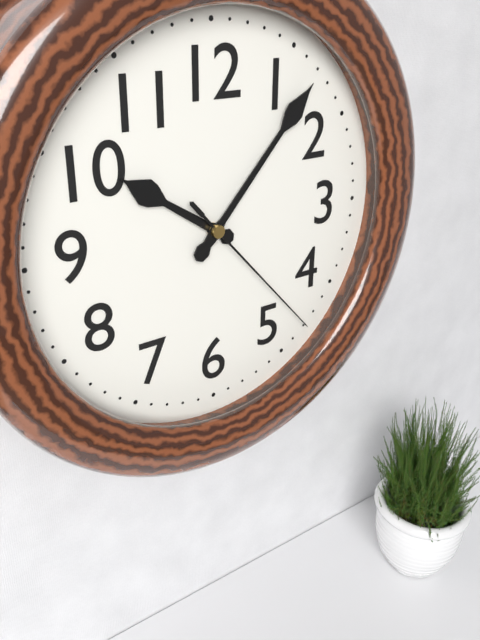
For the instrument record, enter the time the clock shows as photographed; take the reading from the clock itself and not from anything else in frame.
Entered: 10:07:23
